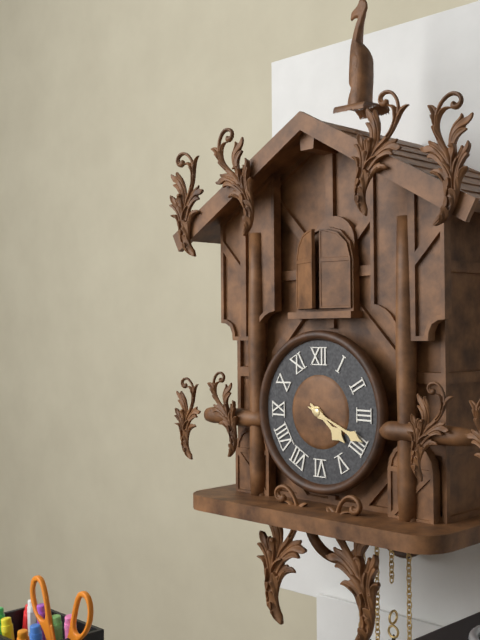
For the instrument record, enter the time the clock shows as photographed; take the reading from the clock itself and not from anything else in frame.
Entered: 4:19
